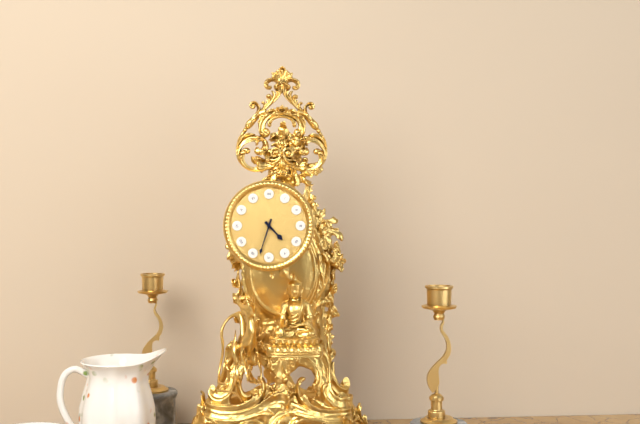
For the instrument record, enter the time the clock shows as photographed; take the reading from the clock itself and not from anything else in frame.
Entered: 4:33
